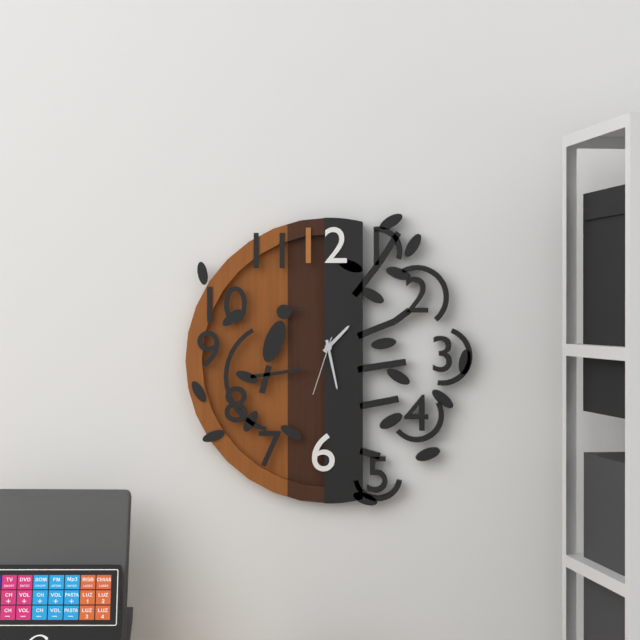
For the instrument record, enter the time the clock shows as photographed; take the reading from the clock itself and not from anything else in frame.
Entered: 1:28:33
